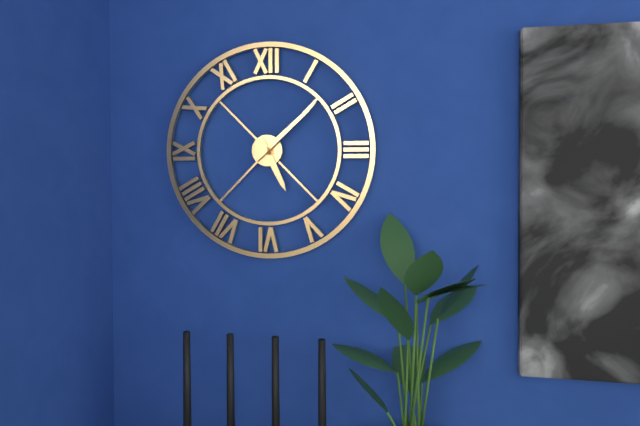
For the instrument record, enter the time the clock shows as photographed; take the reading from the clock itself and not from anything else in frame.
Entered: 5:08
